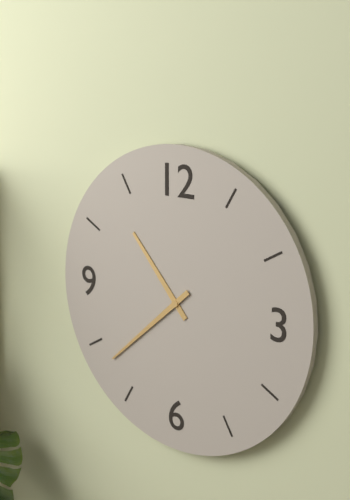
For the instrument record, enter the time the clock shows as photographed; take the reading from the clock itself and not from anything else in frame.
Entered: 10:38
